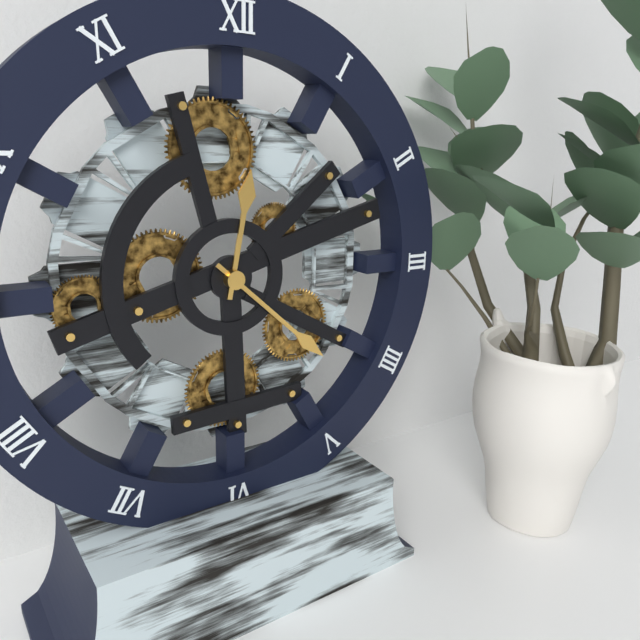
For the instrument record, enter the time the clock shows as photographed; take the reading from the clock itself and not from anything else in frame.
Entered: 12:22
